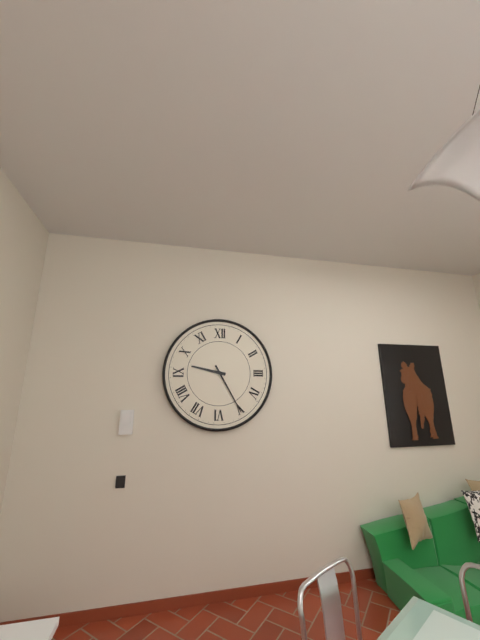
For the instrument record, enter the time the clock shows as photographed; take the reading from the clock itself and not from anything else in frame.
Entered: 9:25
